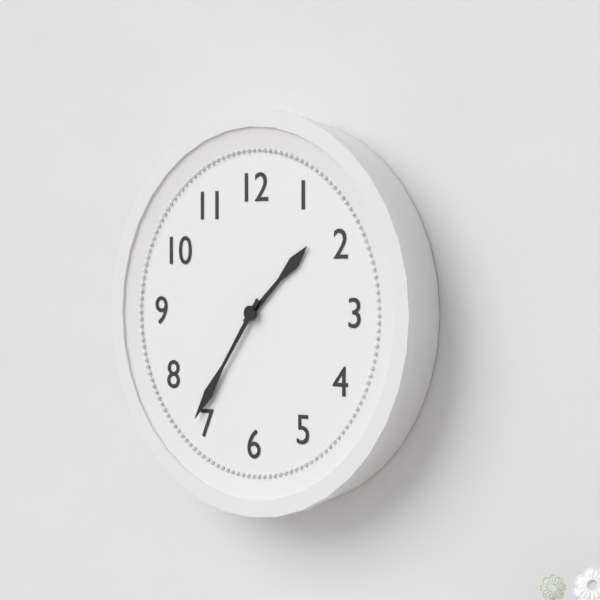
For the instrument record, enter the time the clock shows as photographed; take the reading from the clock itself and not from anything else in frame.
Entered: 1:36
